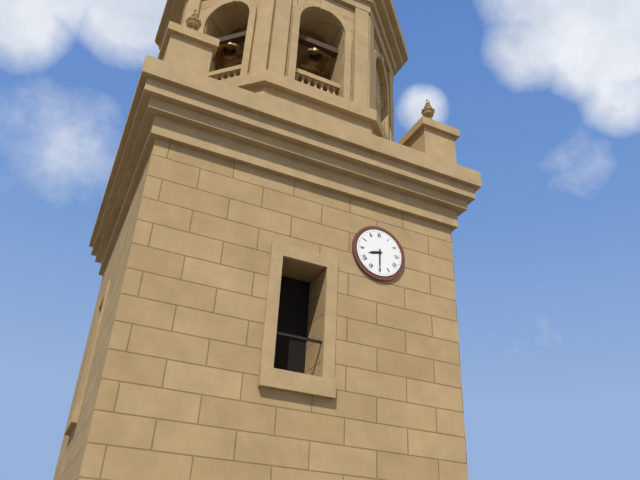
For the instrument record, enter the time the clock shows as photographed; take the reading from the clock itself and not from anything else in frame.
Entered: 8:30
